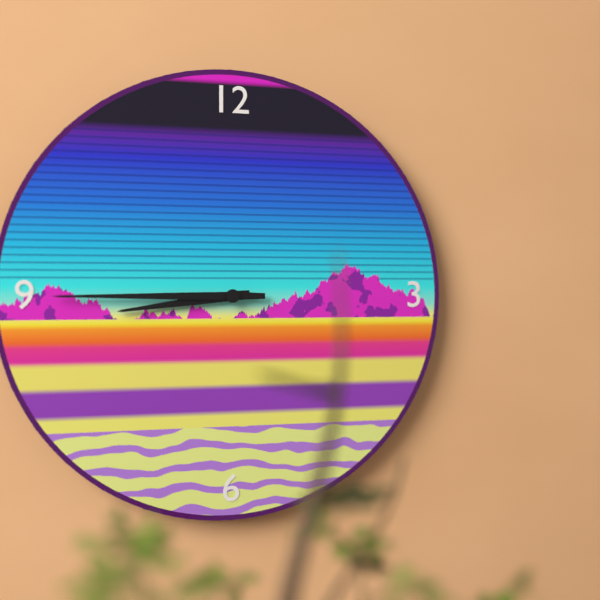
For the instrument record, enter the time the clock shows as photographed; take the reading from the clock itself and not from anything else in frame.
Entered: 8:45
